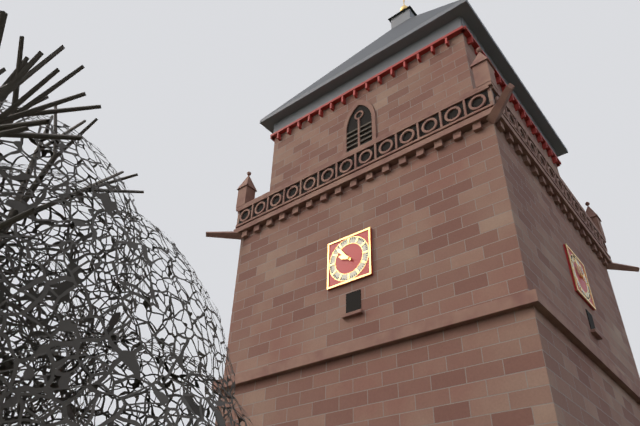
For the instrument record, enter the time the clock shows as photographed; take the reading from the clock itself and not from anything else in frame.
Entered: 9:53
